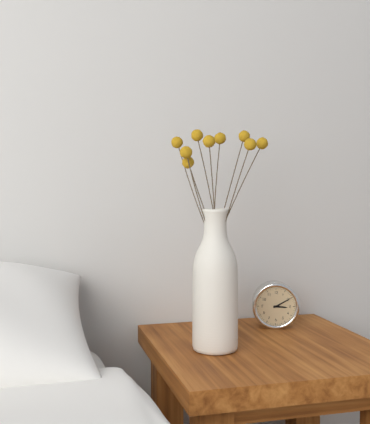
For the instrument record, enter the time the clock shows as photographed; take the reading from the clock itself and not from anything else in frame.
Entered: 3:10
